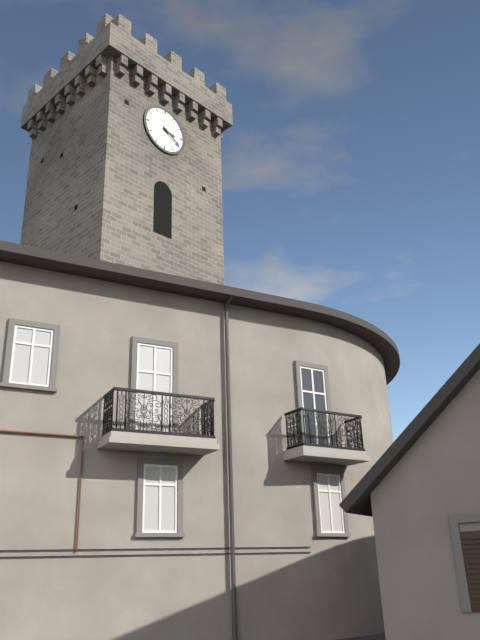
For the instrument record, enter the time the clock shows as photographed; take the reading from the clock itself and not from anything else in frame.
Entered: 3:20
